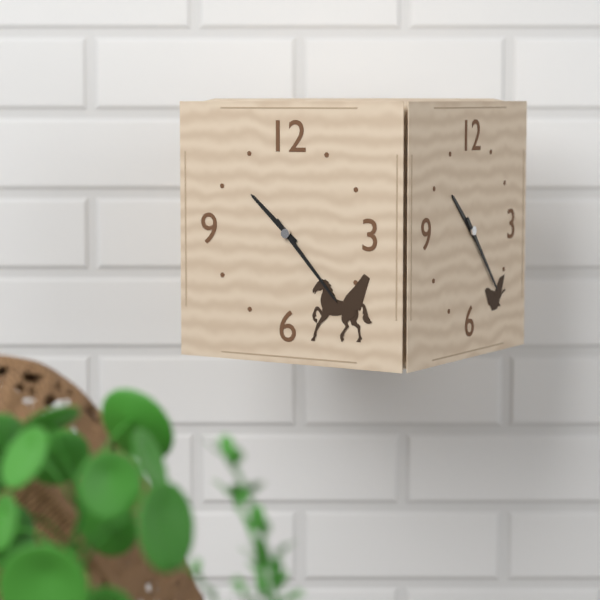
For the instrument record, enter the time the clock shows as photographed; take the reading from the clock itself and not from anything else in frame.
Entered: 10:23
